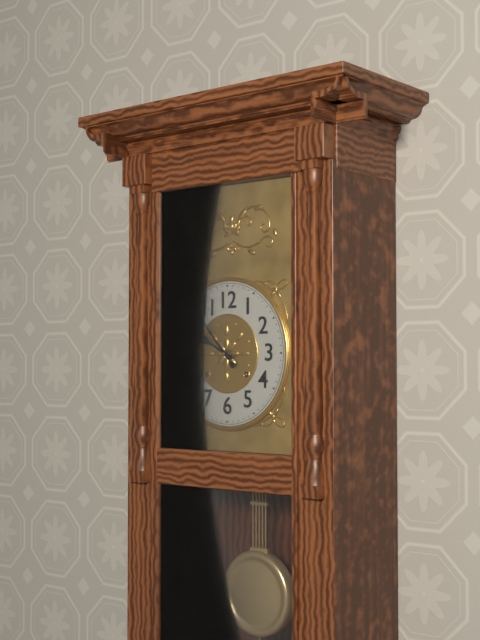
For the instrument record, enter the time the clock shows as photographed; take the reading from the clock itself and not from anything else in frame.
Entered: 9:53
